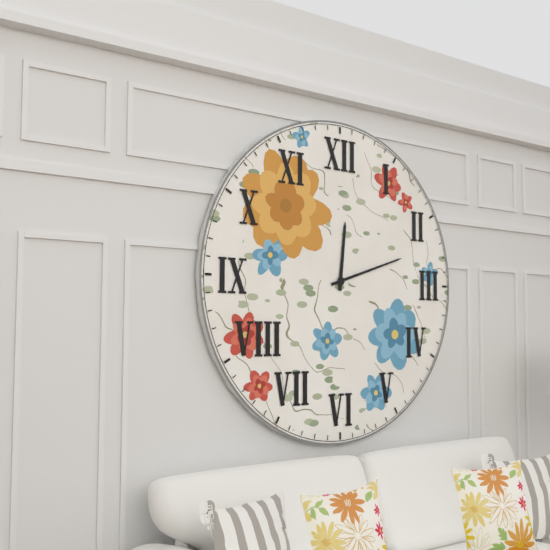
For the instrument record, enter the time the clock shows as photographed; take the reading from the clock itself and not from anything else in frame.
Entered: 12:12
